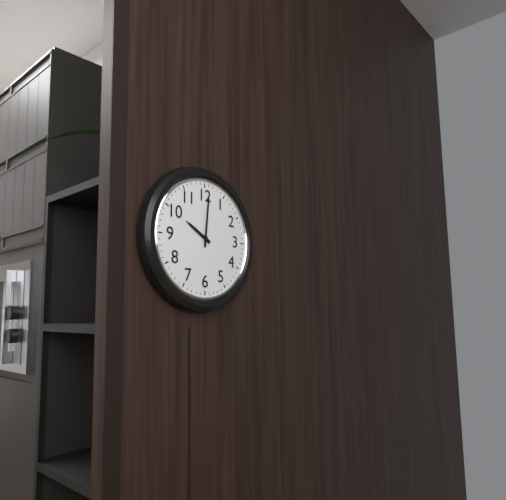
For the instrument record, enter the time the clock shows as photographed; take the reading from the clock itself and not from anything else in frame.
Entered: 10:01
